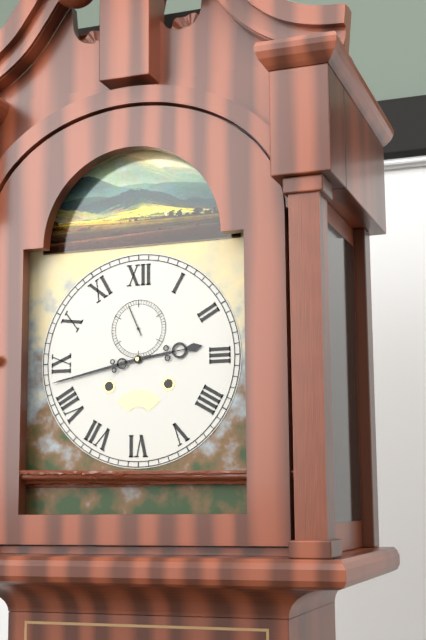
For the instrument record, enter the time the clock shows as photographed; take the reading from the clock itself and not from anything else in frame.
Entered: 2:43
